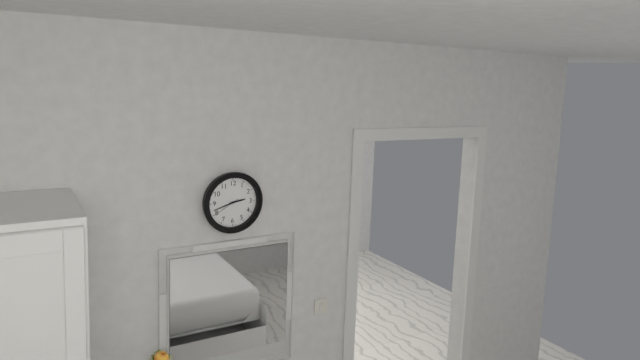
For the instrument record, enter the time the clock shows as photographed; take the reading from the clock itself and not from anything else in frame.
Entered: 2:42
